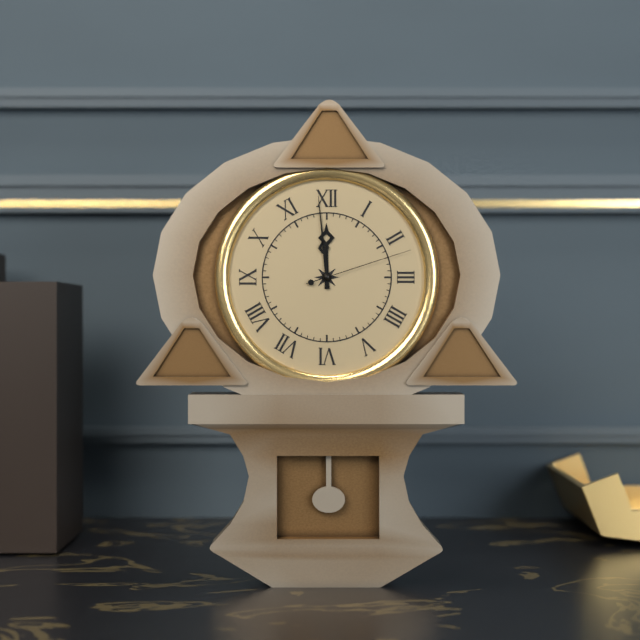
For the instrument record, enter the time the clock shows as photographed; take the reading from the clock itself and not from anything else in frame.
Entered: 11:59:12
